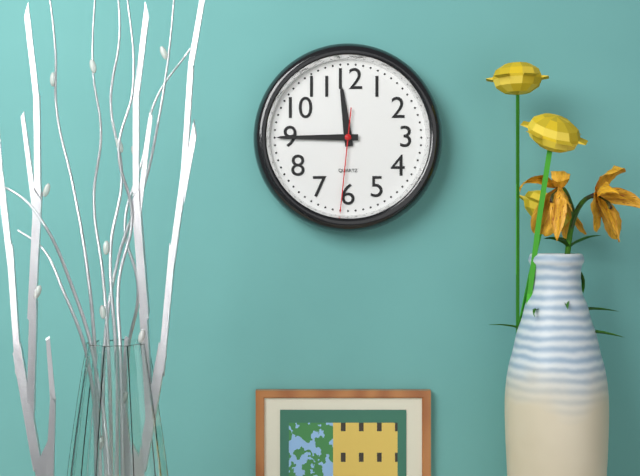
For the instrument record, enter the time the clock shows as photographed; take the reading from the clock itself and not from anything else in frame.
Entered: 11:45:31
